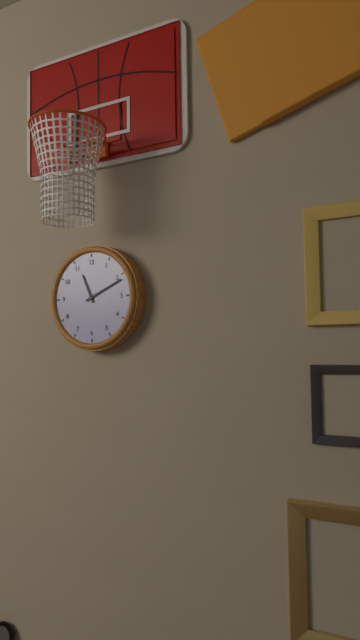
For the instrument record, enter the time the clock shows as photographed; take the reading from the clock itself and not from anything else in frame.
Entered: 11:11
